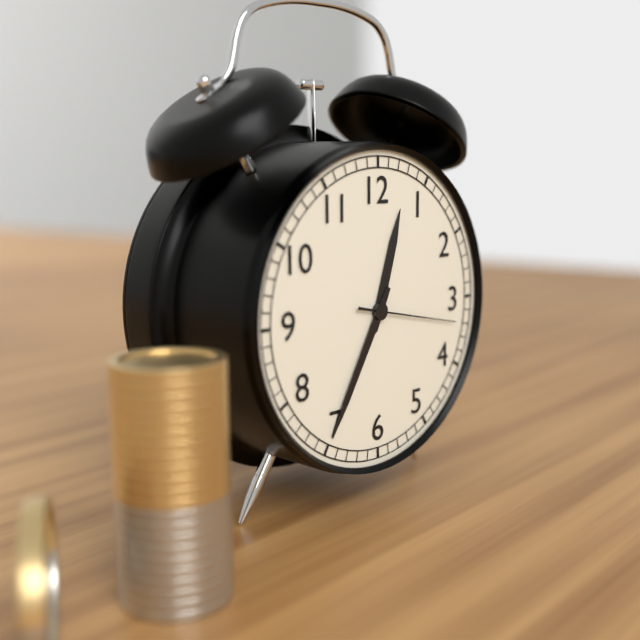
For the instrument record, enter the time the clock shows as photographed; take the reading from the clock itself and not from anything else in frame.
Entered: 12:35:17
